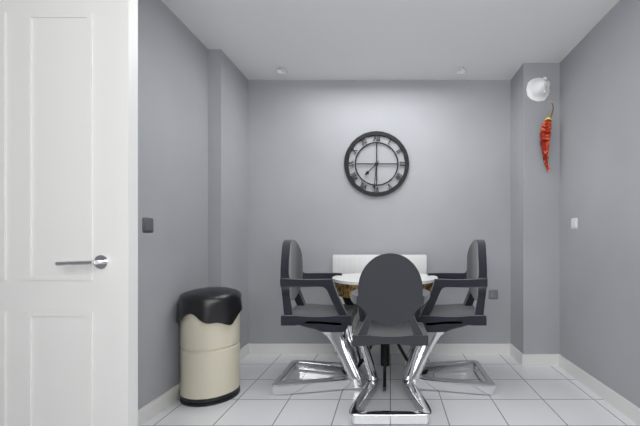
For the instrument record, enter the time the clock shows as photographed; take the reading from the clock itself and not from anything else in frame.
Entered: 7:31
